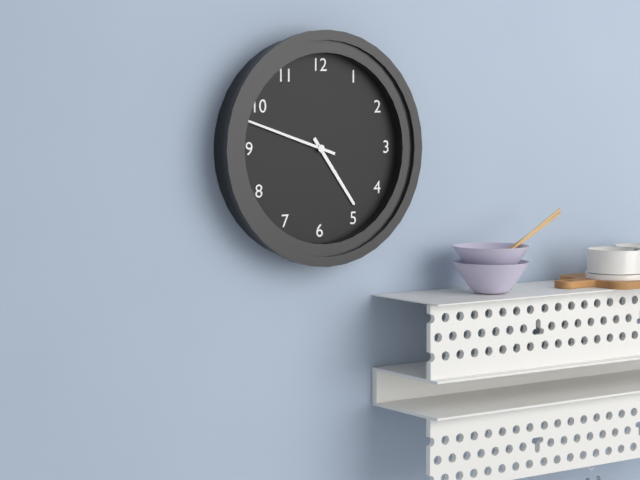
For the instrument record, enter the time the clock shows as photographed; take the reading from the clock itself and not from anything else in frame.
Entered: 4:48
